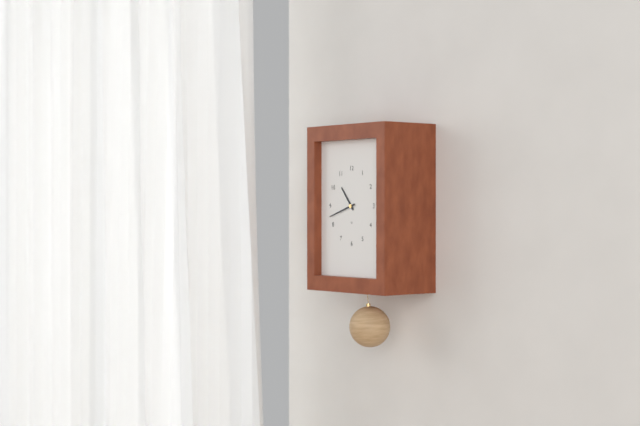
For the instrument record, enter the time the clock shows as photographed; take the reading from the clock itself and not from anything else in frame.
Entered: 10:42
